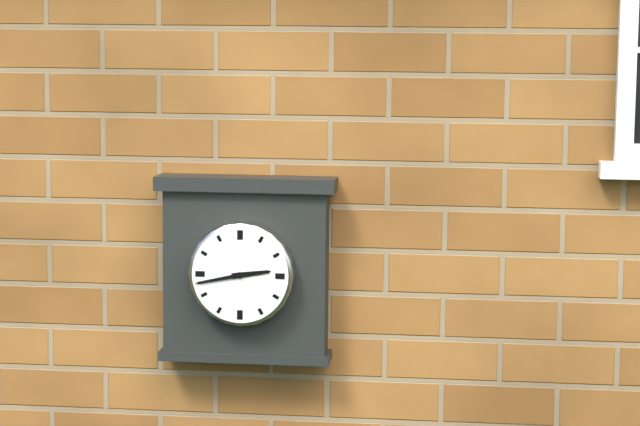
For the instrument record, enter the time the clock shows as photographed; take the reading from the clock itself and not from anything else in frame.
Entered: 2:43
